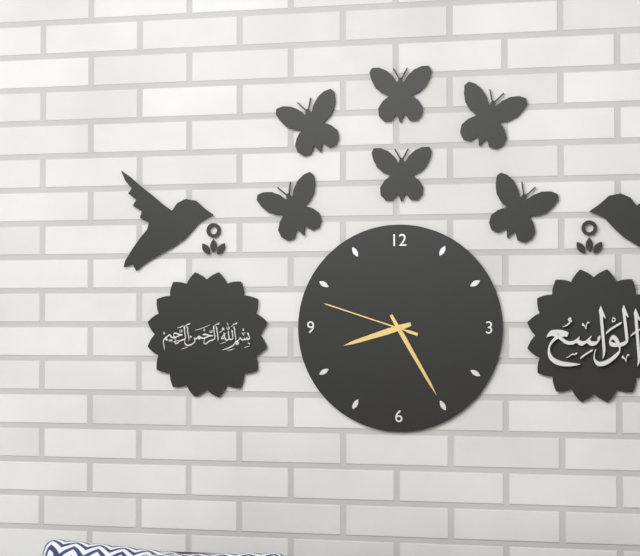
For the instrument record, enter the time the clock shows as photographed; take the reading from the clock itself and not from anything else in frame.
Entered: 8:25:48
